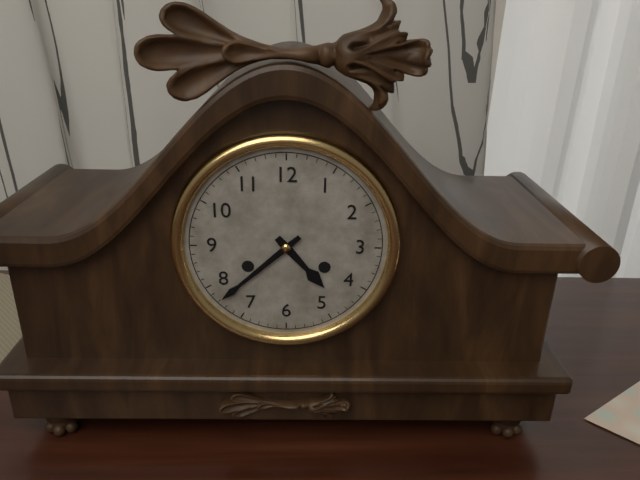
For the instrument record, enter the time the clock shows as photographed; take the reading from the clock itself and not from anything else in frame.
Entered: 4:38
